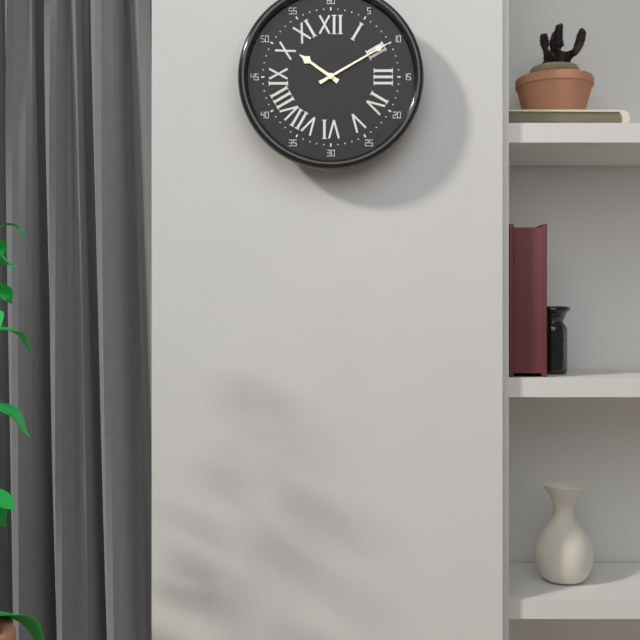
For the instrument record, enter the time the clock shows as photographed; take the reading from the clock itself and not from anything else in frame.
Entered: 10:10
